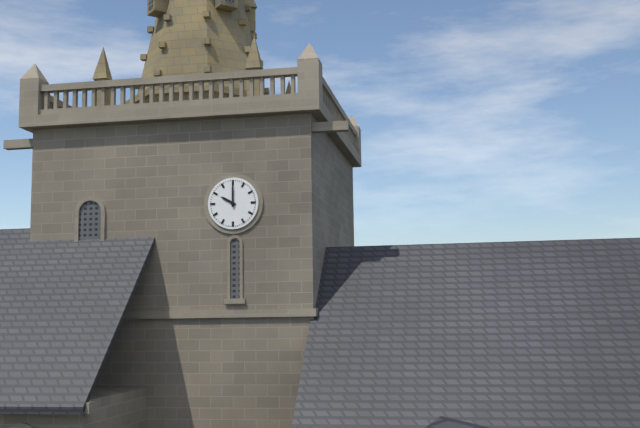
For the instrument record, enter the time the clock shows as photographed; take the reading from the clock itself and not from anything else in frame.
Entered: 10:00
